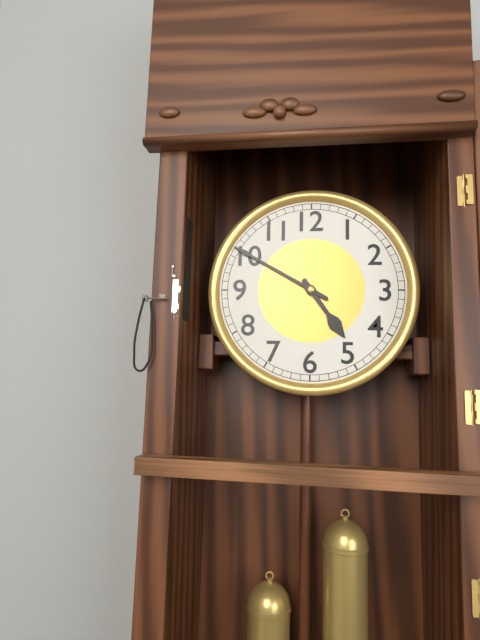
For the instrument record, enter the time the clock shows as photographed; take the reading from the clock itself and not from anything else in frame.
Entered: 4:50
